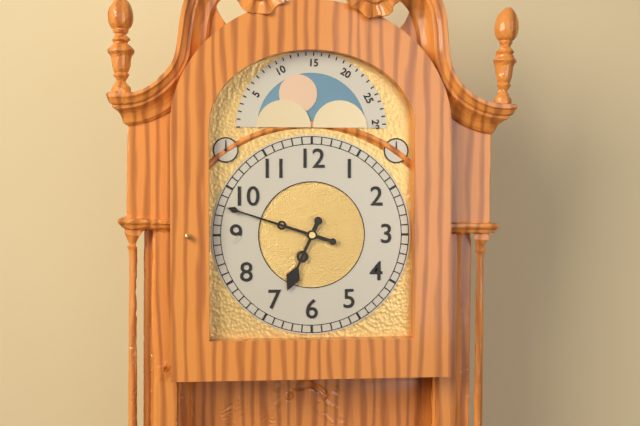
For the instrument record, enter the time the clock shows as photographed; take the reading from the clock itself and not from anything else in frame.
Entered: 6:48
